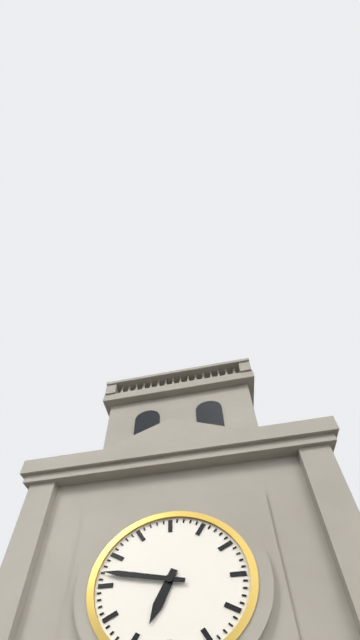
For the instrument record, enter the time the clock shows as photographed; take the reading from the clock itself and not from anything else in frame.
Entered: 6:47
